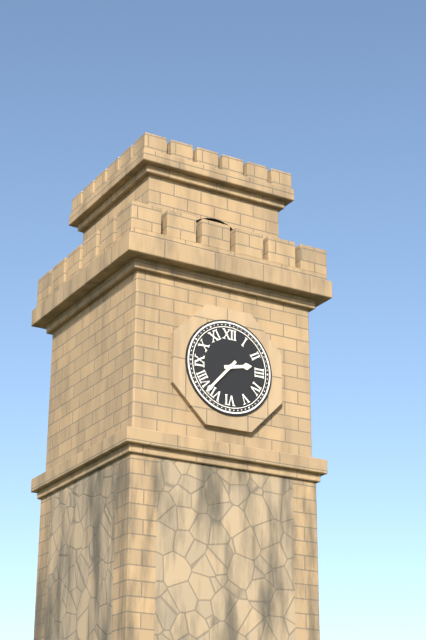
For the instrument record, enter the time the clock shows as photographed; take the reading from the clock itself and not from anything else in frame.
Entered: 2:37
